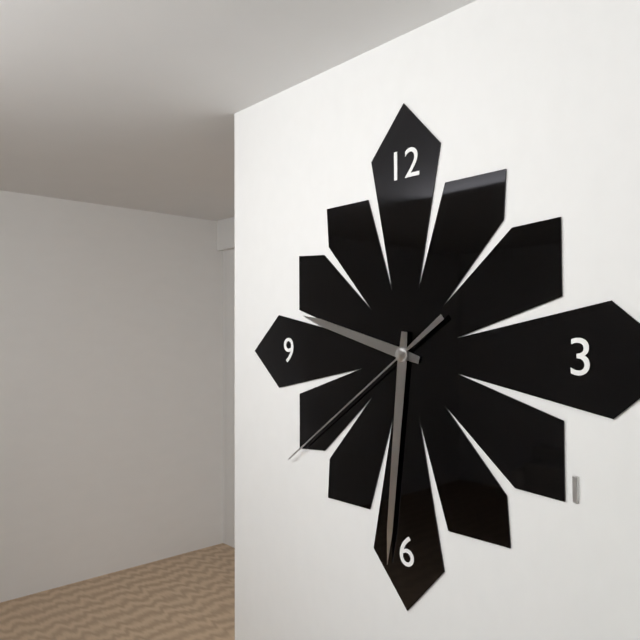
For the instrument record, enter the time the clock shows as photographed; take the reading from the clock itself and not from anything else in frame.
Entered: 9:31:39
